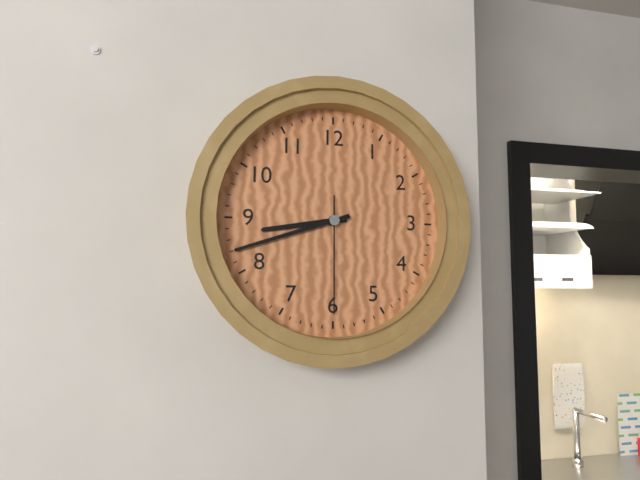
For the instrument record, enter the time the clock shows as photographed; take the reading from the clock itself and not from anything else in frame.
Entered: 8:42:30
